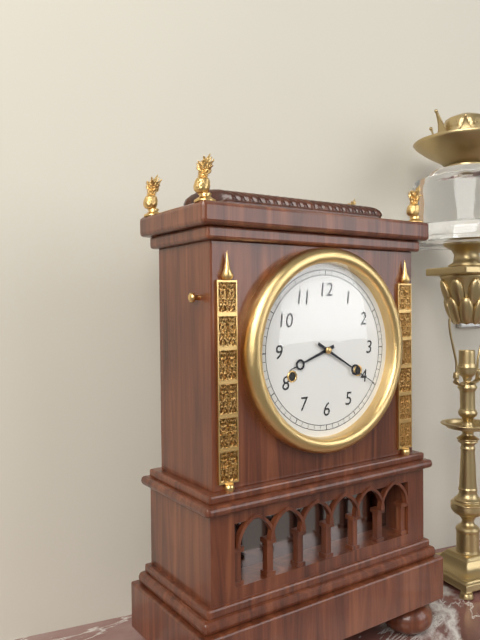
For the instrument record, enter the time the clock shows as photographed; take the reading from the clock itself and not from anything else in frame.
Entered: 8:20
